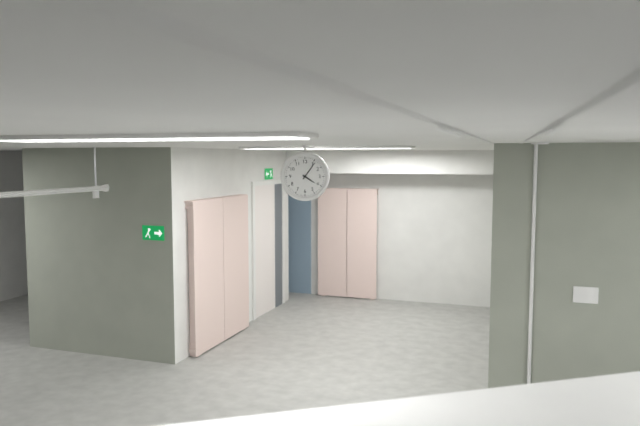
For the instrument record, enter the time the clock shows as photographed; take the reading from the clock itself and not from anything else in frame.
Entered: 4:06
